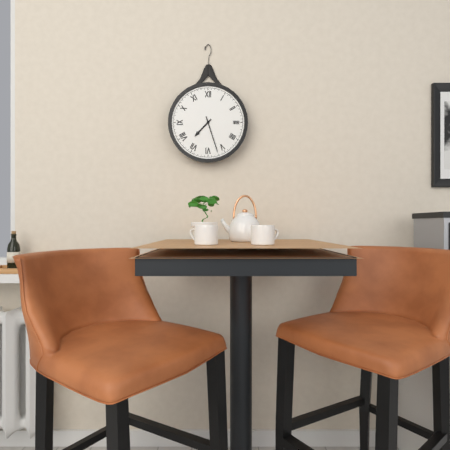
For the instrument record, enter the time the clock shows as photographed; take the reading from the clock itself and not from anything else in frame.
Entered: 7:27
